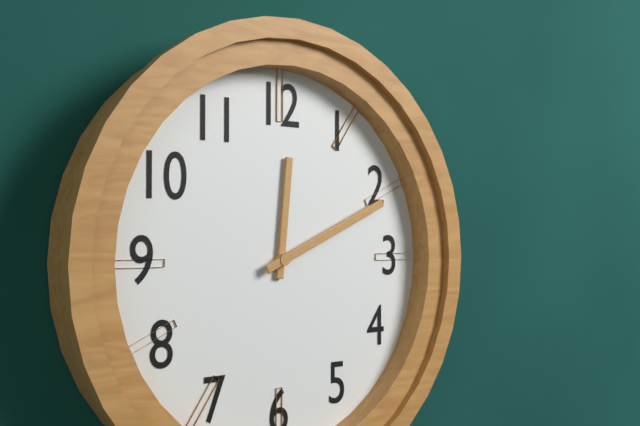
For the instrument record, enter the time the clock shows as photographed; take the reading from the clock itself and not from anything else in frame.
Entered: 12:11
